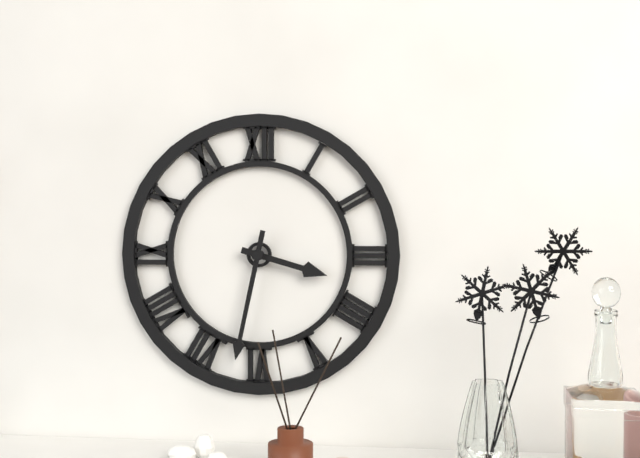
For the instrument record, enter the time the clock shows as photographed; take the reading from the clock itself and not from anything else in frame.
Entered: 3:32
